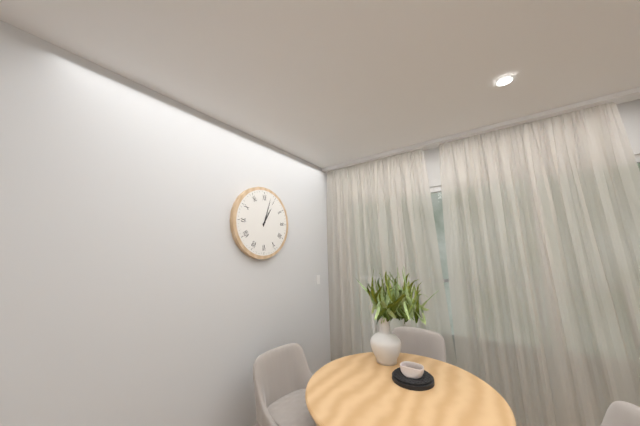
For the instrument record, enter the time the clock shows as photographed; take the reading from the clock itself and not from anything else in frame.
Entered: 1:03
